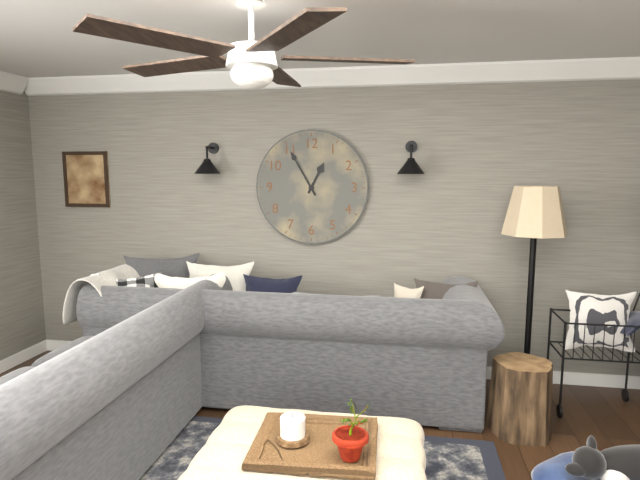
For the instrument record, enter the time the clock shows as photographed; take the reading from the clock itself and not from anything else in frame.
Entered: 12:55
